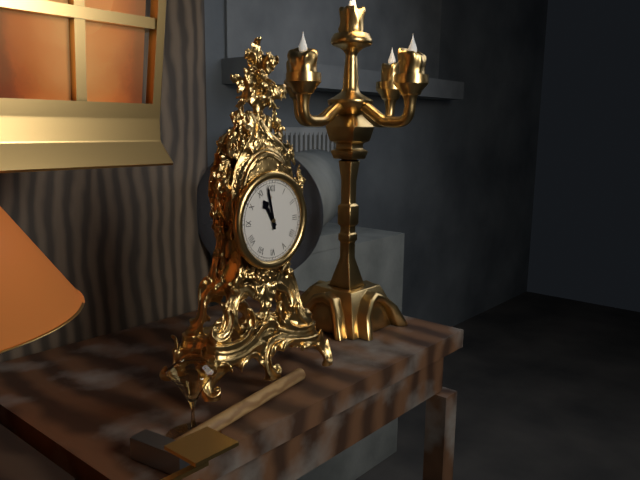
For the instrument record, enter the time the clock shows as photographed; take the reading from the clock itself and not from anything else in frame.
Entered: 10:58
